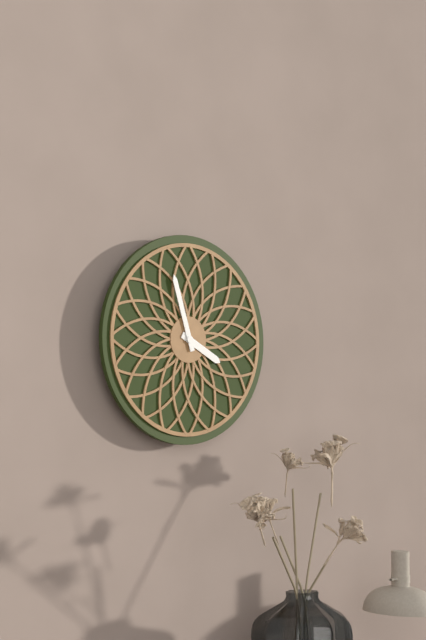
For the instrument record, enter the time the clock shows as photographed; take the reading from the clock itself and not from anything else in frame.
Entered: 3:57
